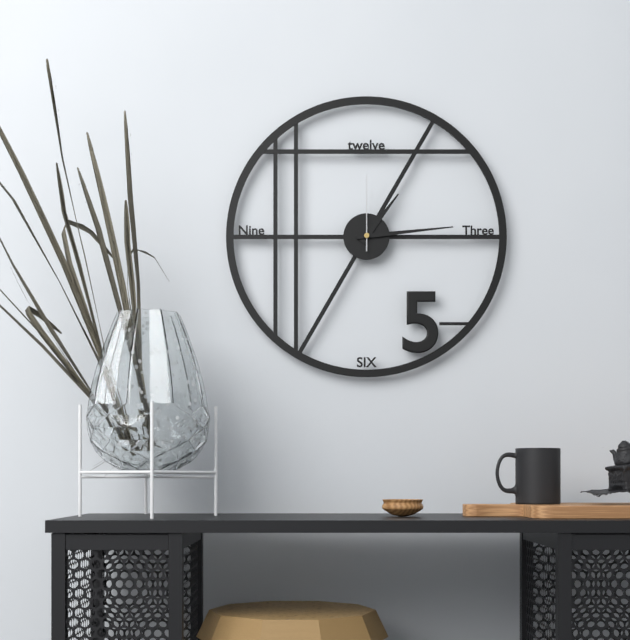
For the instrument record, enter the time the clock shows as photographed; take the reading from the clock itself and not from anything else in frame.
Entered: 1:14:00
